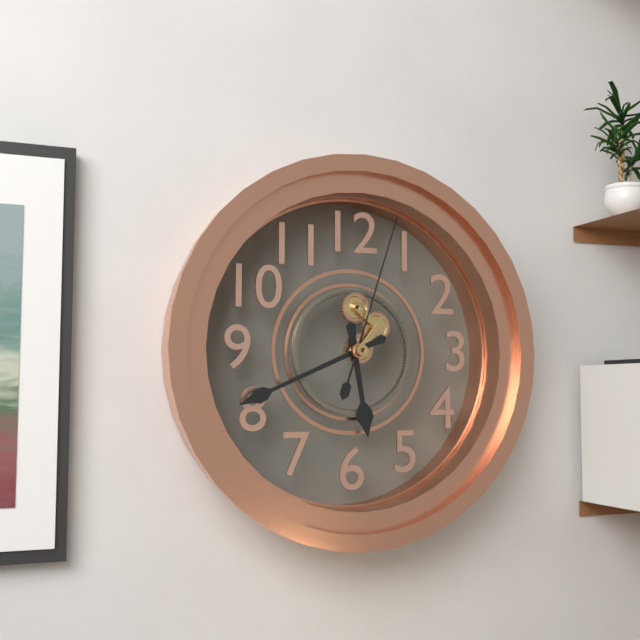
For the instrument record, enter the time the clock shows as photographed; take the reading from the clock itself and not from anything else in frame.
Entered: 5:41:03
